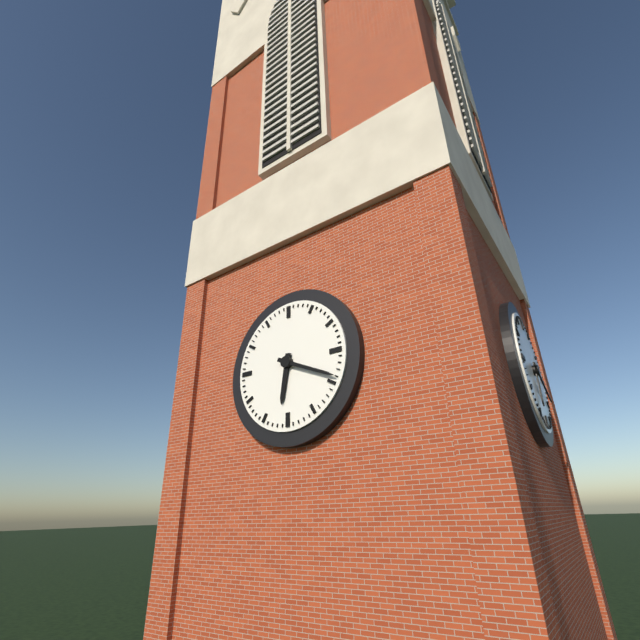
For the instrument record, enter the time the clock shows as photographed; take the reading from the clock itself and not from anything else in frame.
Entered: 6:19
